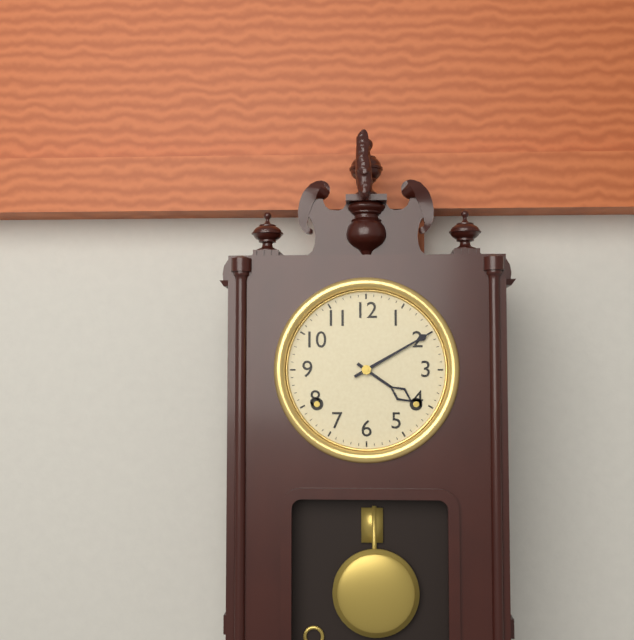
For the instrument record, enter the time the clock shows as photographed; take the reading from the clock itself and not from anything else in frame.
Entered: 4:10
